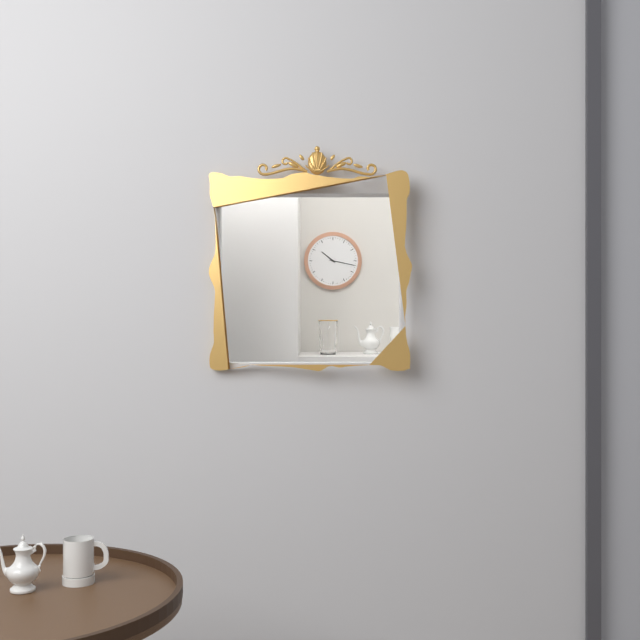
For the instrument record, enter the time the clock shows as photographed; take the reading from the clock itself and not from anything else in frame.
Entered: 10:17
